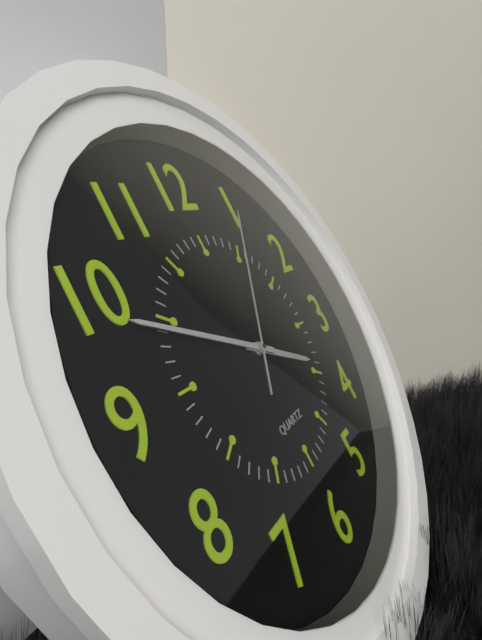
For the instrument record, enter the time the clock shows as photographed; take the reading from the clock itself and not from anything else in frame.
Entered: 3:49:05
